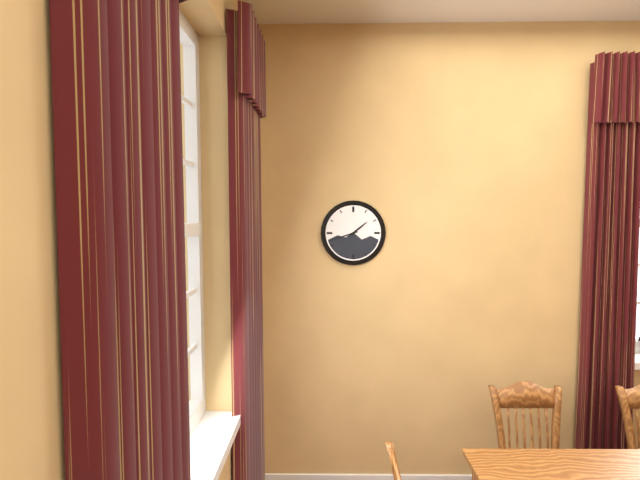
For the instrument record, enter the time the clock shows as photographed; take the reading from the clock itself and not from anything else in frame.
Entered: 1:42
